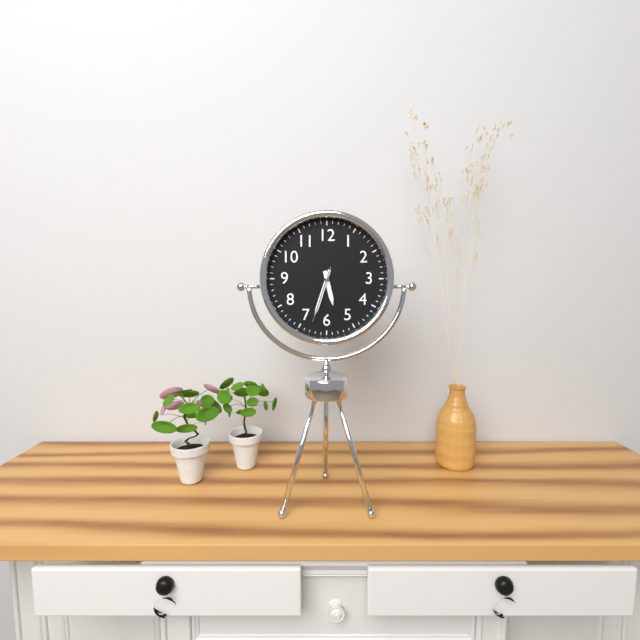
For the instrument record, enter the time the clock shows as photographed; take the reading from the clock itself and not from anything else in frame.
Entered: 5:33:33
